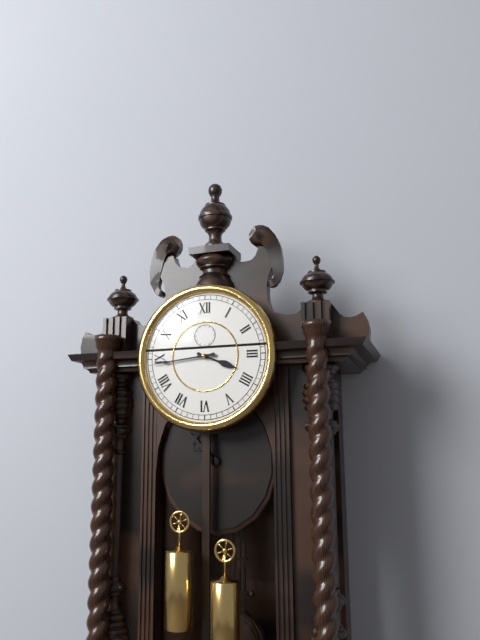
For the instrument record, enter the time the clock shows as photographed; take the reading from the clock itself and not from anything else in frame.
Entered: 3:44
